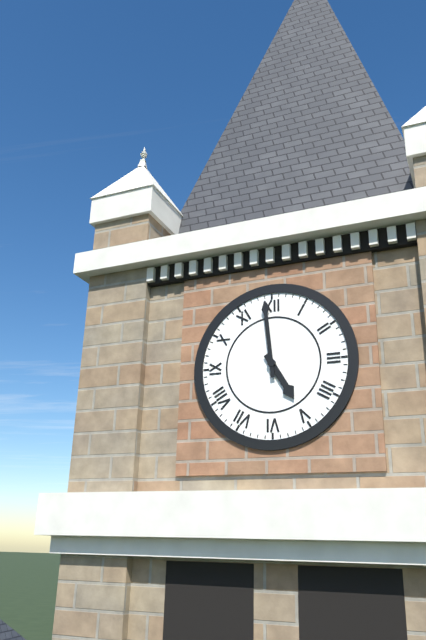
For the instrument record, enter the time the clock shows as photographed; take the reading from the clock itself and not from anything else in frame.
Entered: 4:59
